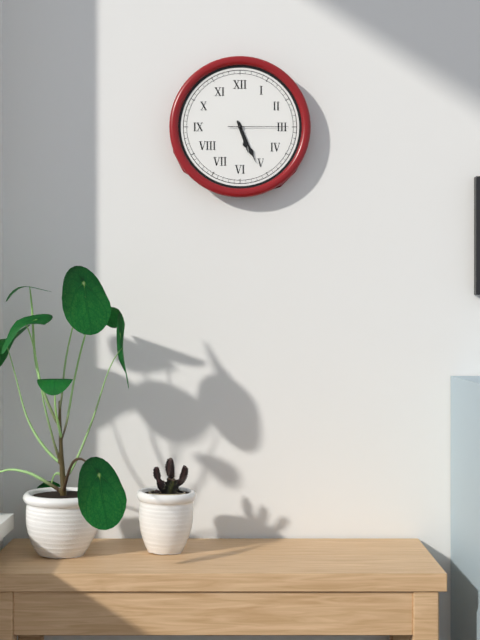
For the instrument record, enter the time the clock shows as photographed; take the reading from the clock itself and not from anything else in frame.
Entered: 5:26:15
